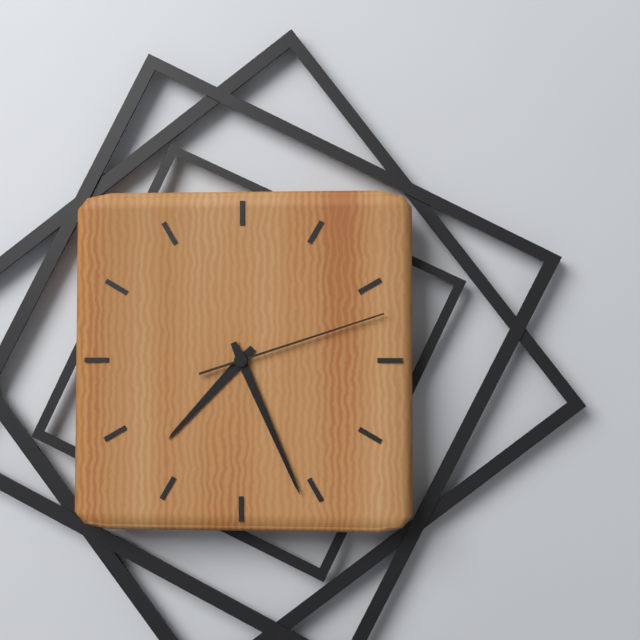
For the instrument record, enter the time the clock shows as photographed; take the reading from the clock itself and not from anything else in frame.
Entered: 7:26:12
